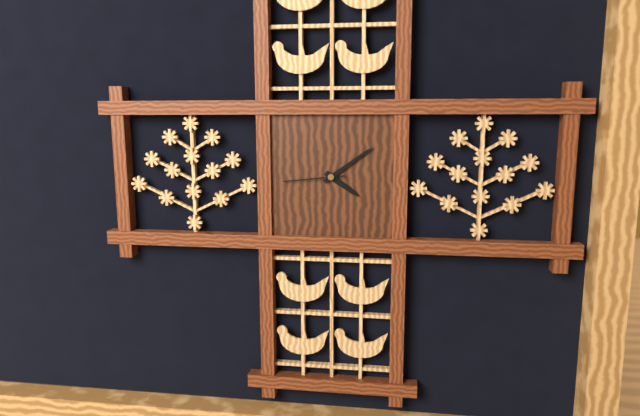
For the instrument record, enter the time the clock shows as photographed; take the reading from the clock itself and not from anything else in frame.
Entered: 4:09:44
